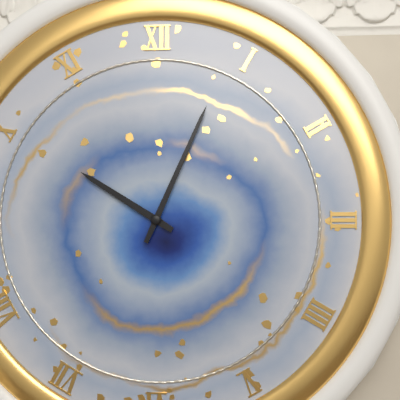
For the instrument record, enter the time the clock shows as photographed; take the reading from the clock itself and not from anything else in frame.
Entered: 10:04
